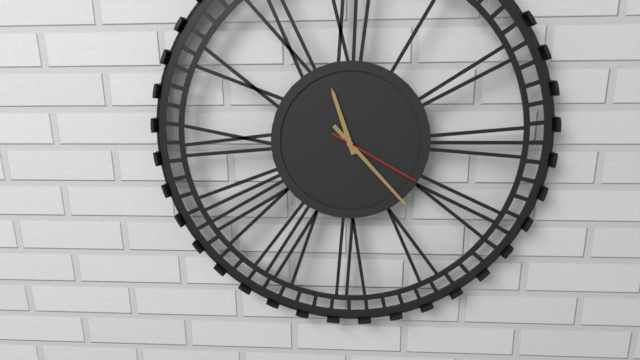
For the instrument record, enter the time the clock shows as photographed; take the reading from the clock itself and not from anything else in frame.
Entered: 11:23:20
